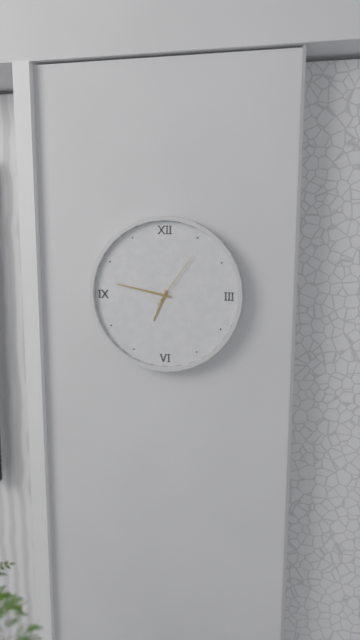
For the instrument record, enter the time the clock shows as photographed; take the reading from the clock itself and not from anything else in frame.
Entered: 6:47:06
